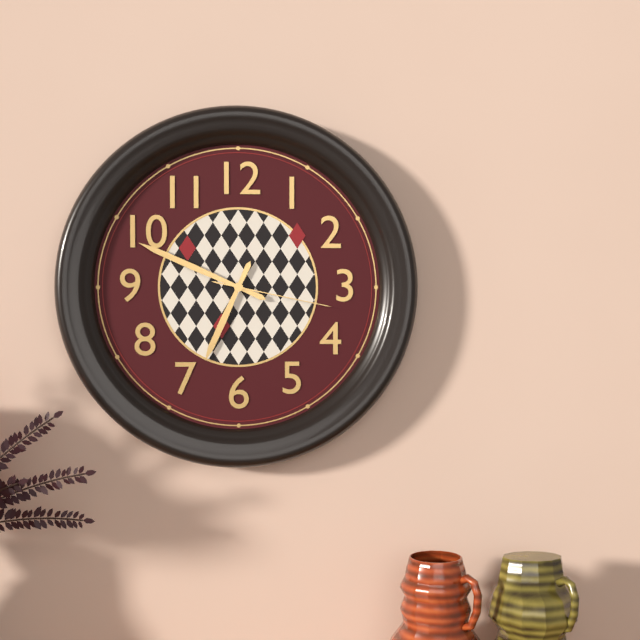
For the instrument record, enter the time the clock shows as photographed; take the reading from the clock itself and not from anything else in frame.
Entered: 6:49:17
